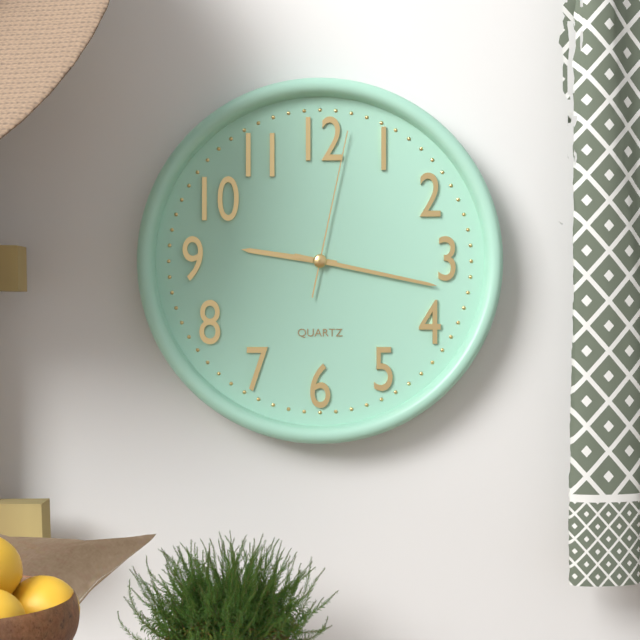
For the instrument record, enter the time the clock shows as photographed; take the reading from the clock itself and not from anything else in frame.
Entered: 9:17:02
